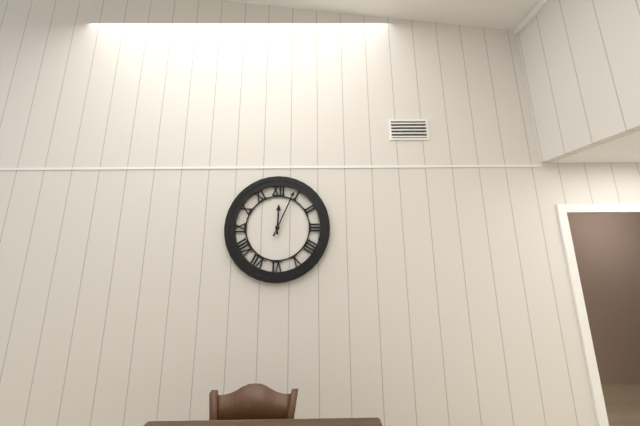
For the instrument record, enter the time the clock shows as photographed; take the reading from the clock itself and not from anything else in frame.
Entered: 12:04
